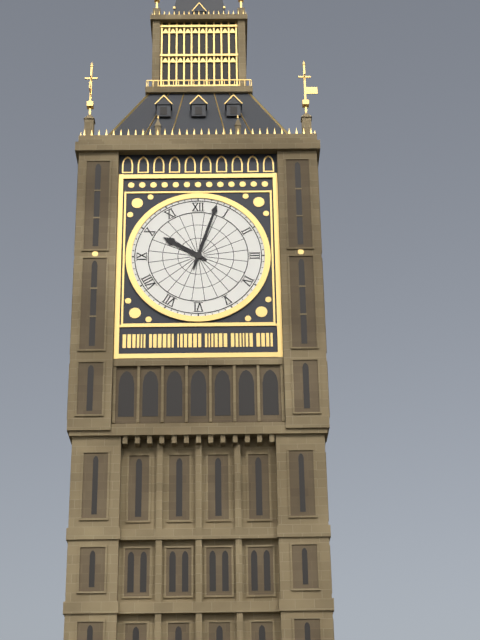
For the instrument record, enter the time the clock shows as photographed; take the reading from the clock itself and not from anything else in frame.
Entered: 10:03
